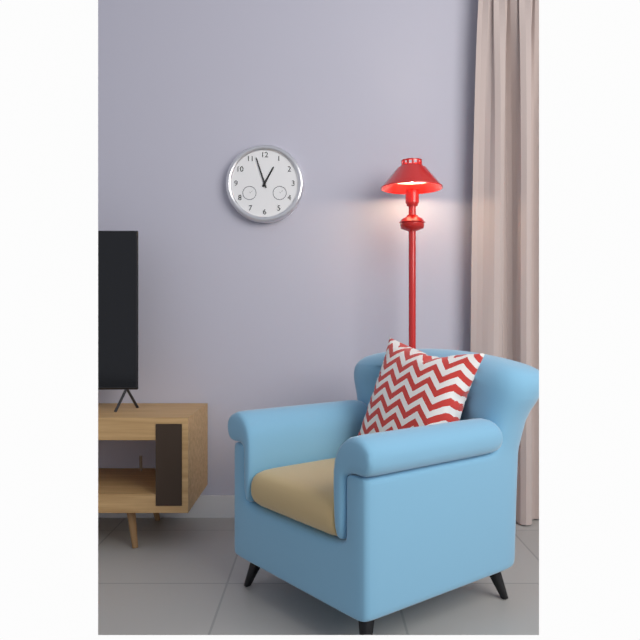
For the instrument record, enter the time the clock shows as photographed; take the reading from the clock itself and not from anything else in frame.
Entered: 12:57
